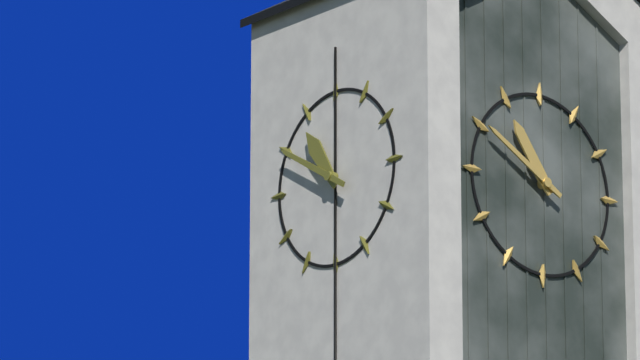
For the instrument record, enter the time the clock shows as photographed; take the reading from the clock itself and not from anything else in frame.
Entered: 10:50
